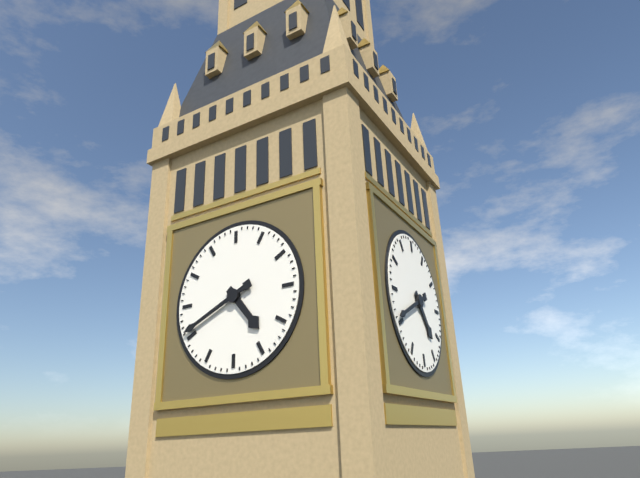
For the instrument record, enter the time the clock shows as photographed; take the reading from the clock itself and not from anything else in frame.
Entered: 4:41
